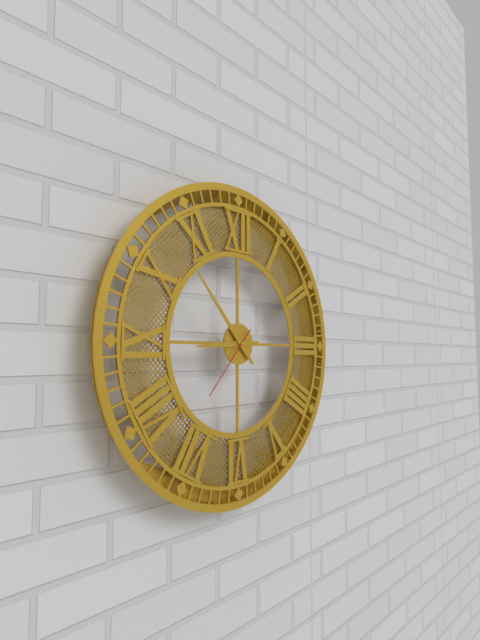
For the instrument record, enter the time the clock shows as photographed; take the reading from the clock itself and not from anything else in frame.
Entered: 8:53:37
